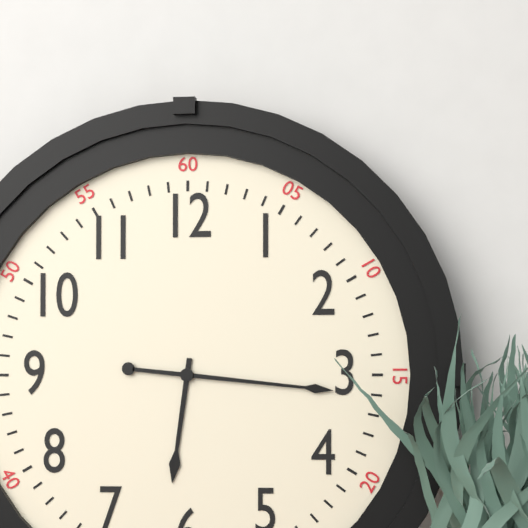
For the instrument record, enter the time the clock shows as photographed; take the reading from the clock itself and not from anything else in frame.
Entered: 6:16
